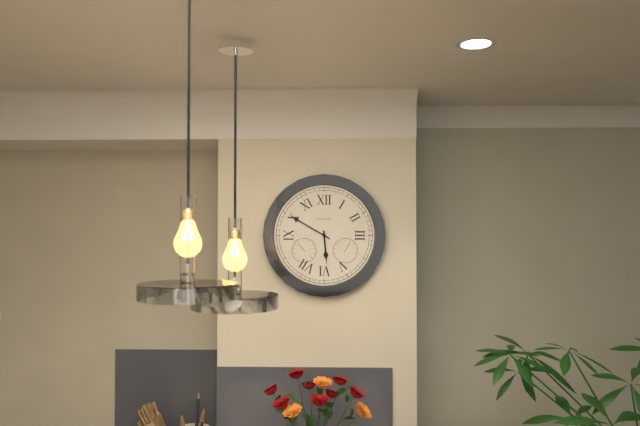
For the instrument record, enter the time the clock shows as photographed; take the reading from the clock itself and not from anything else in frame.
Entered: 5:50
